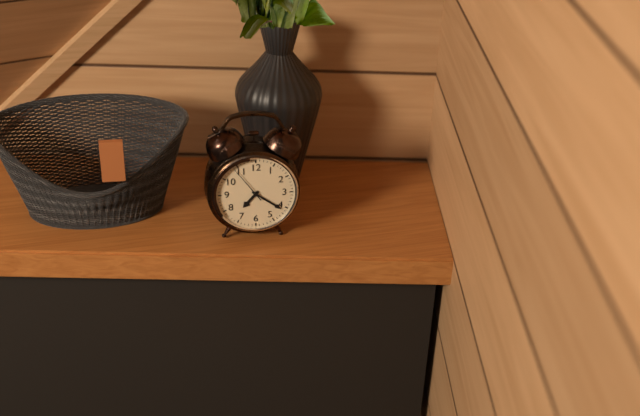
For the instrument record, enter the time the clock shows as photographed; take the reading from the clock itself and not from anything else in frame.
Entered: 7:21
